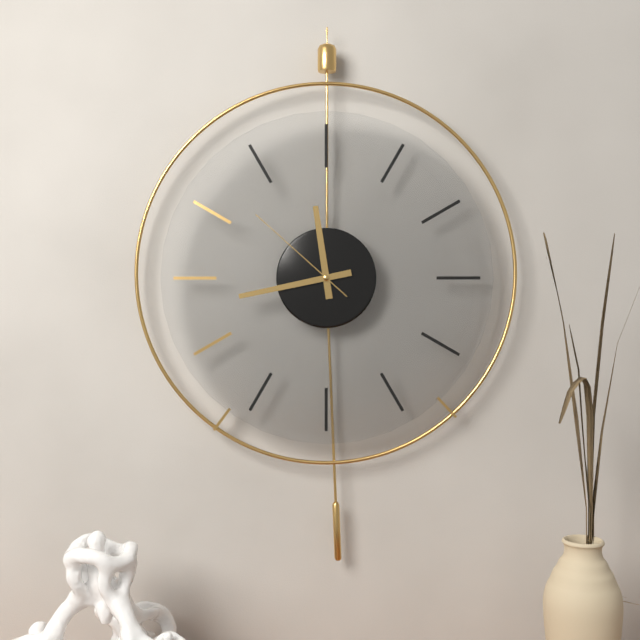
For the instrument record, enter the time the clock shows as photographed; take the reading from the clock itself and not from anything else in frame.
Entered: 11:43:52
